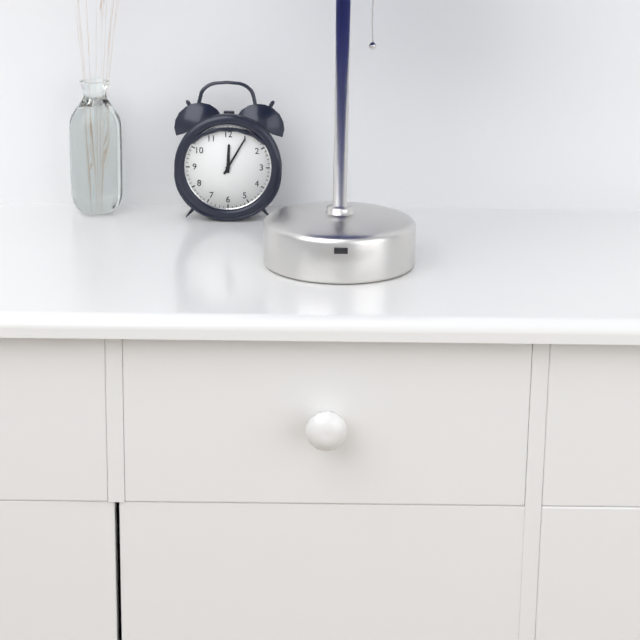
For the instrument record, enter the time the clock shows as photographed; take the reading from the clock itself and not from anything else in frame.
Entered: 12:05
